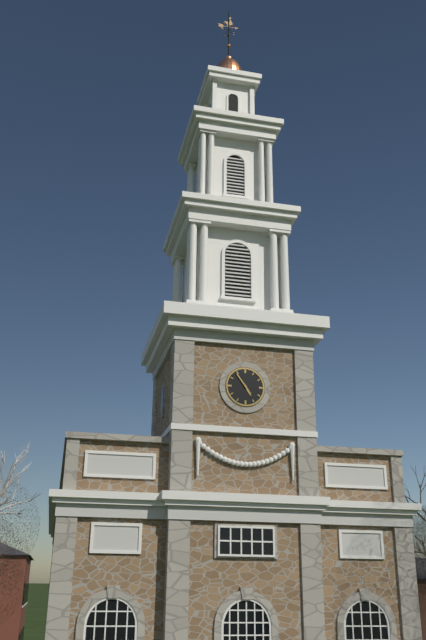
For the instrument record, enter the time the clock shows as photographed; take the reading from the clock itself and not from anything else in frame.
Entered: 4:54
